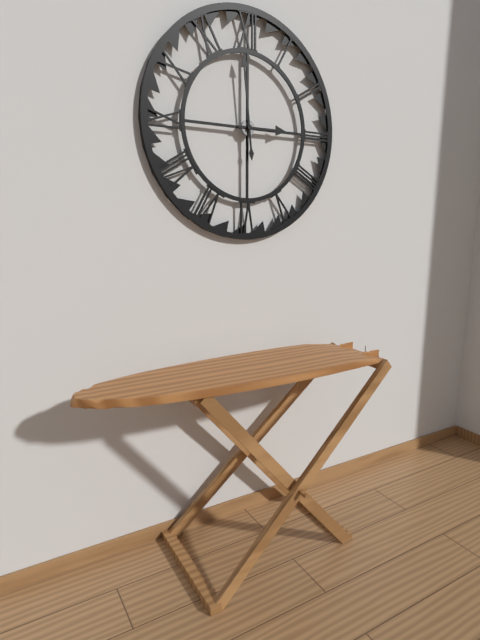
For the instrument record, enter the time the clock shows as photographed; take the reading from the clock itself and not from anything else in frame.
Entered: 2:59
